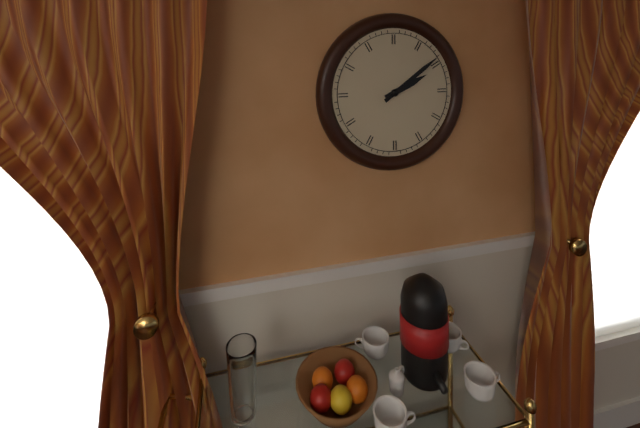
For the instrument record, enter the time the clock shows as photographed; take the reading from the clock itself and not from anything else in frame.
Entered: 2:09
